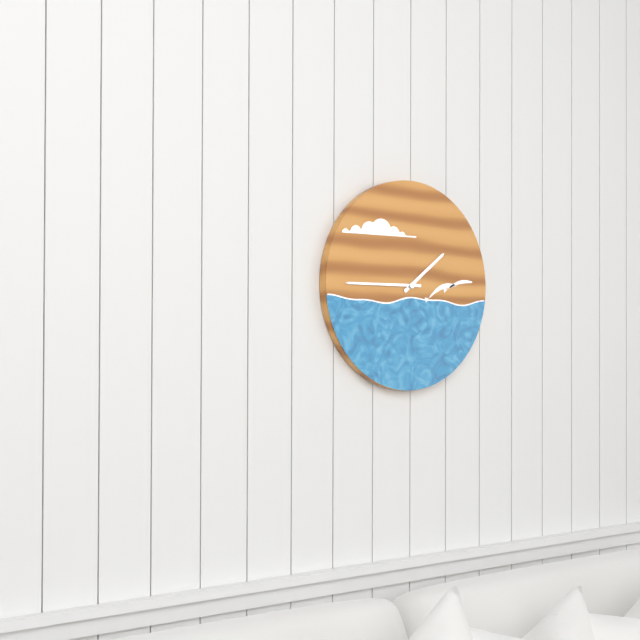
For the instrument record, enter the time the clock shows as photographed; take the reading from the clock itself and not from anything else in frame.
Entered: 1:45
